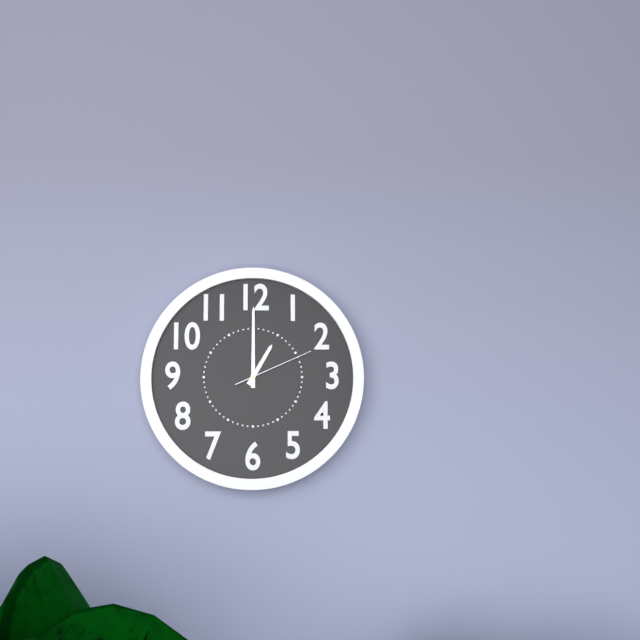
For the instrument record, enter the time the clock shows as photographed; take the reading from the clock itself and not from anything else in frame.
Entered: 1:00:11
